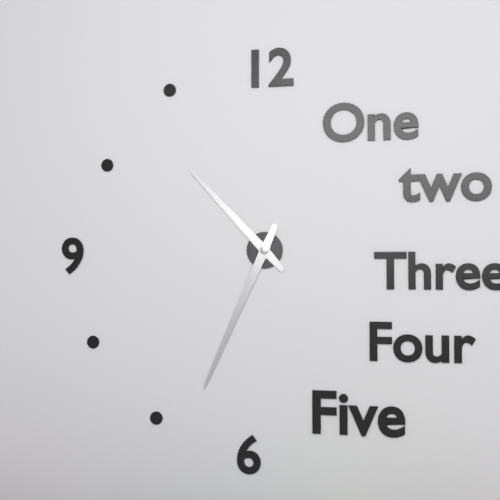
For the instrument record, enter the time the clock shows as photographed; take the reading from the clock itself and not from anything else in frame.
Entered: 10:34
